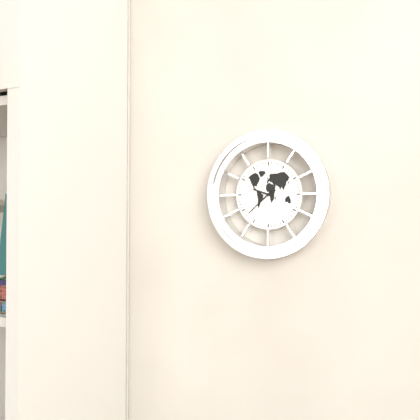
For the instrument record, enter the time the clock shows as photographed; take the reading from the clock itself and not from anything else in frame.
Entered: 9:38
